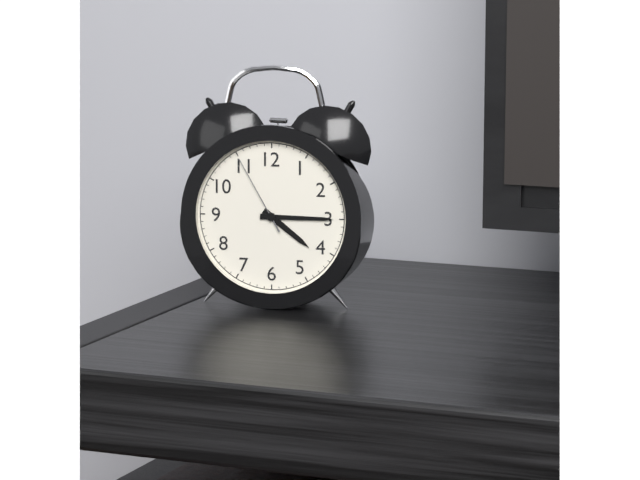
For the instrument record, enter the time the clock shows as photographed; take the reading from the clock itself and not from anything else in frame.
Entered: 4:15:55
